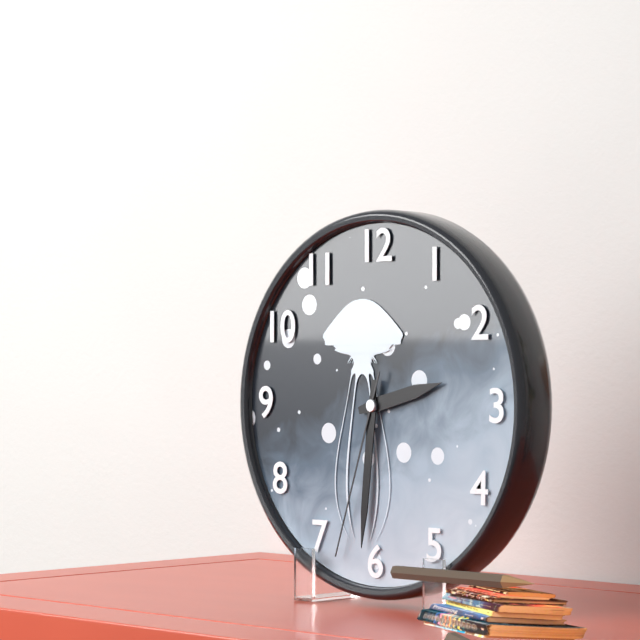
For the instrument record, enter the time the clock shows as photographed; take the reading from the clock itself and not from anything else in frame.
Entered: 2:31:33
